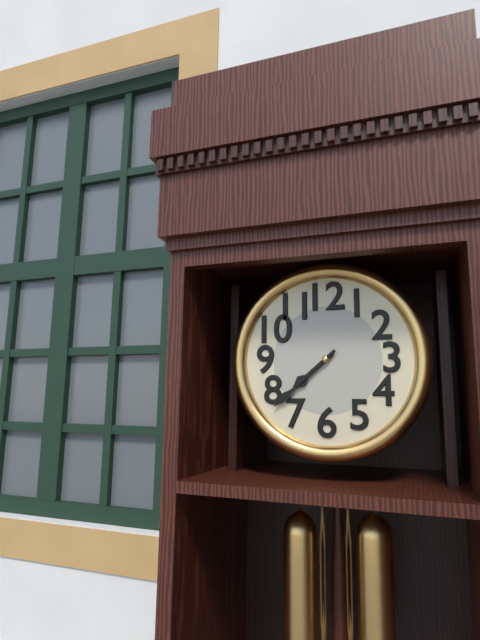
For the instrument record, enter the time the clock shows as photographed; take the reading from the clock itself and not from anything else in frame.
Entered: 7:38
